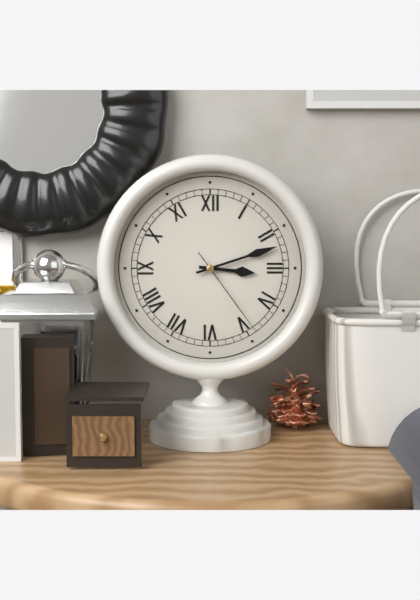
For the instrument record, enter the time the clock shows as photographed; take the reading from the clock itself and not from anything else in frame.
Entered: 3:12:24
